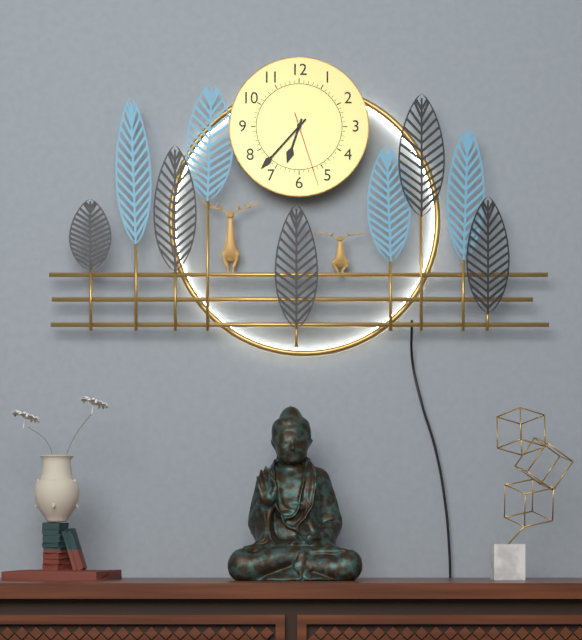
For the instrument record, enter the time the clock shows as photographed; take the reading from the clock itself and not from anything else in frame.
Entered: 6:37:27
